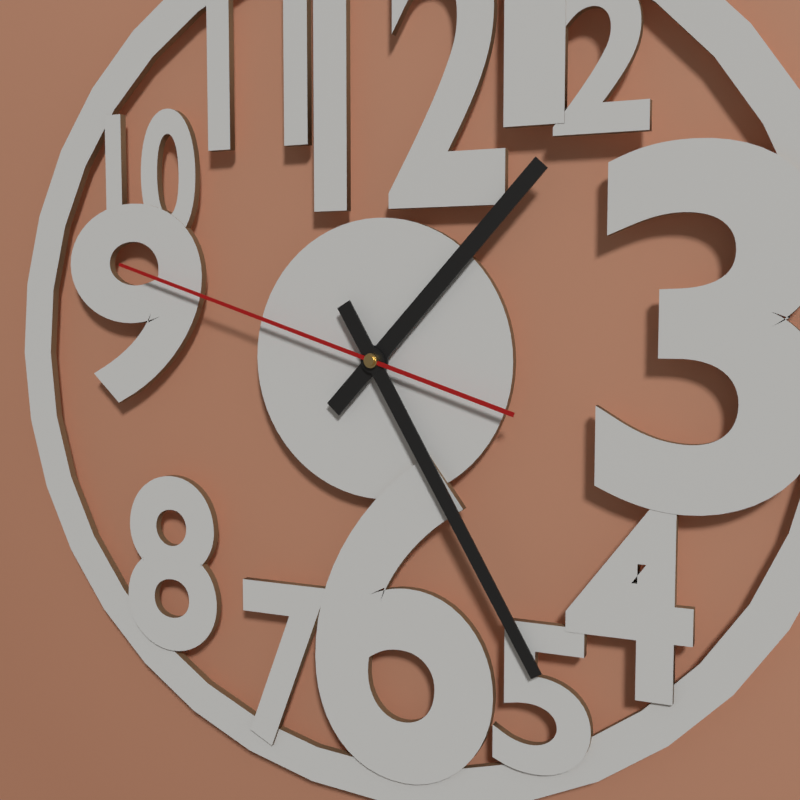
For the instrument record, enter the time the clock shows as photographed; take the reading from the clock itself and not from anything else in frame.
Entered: 1:25:48
